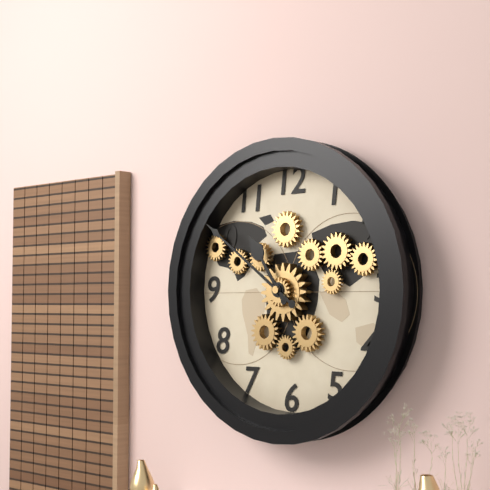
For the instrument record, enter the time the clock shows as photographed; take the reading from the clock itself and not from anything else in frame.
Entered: 10:51
